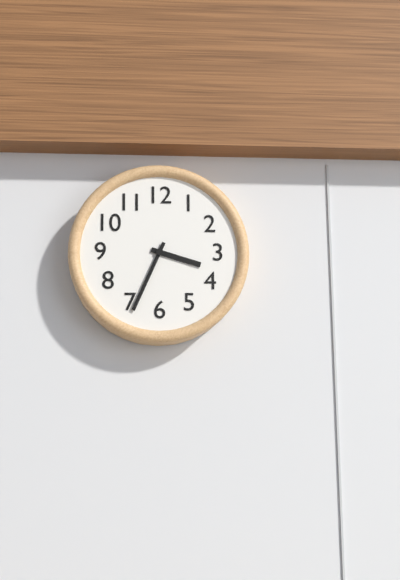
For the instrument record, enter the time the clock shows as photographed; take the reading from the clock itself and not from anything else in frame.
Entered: 3:34
